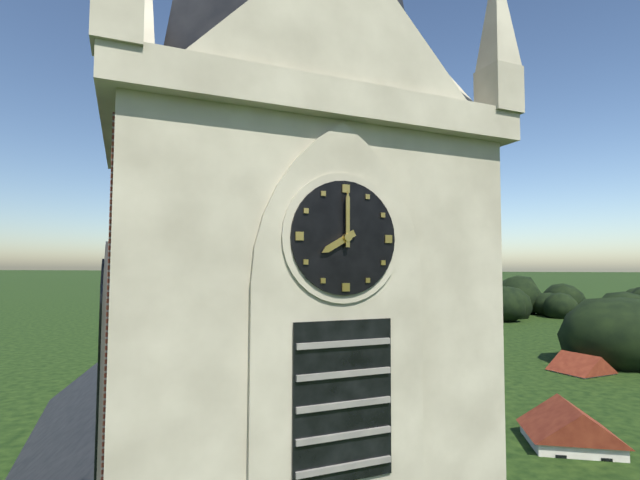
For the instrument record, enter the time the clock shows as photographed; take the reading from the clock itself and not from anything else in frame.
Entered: 8:00
